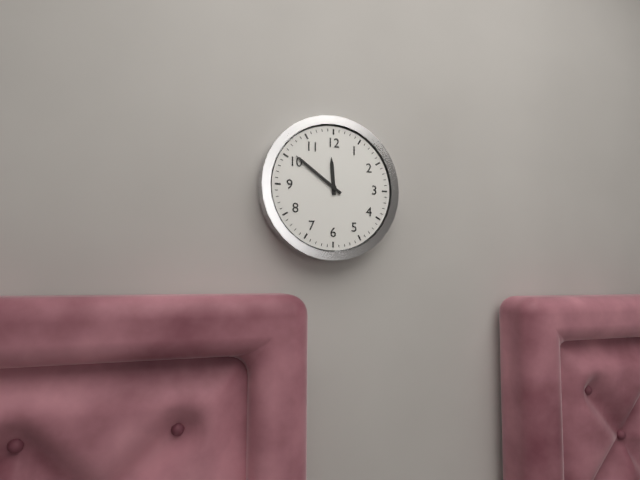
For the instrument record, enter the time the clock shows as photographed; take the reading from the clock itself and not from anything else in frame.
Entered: 11:51
